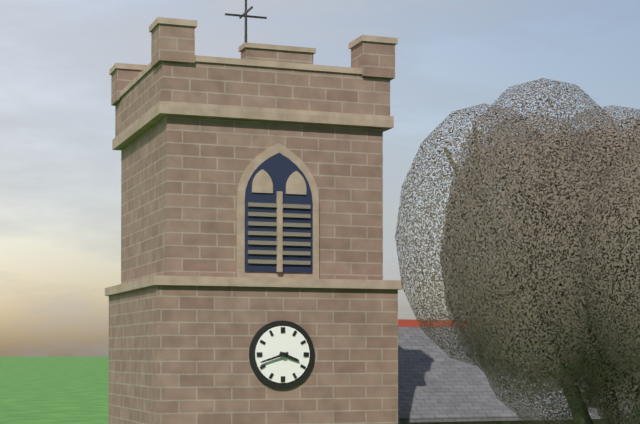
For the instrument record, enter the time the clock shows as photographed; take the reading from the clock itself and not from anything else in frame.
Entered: 3:42
